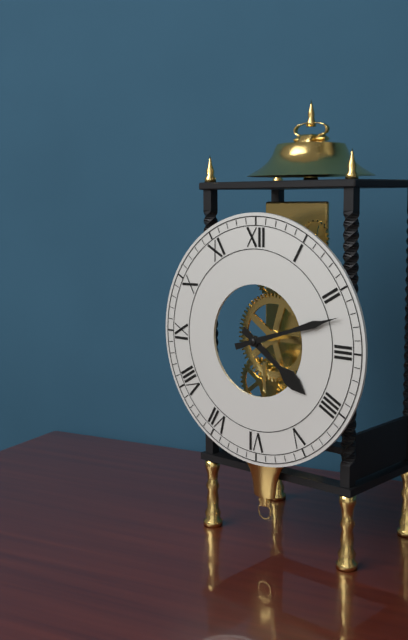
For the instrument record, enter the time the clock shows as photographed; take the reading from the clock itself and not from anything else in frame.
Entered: 4:12
